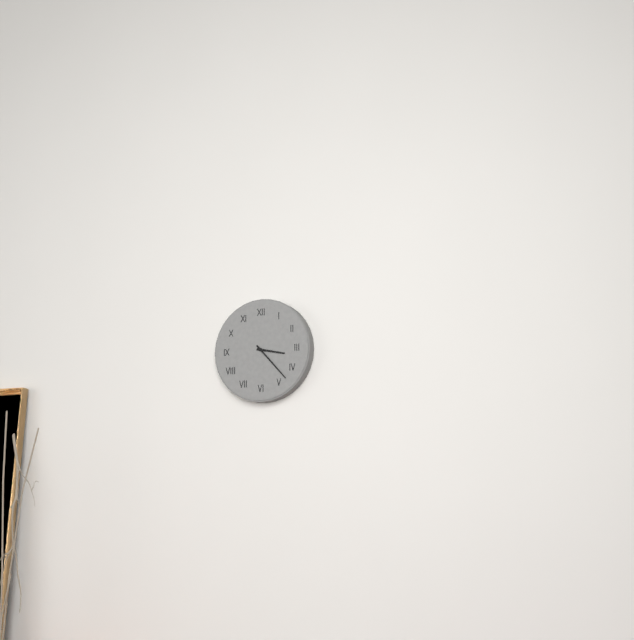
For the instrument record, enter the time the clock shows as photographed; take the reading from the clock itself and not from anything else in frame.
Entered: 3:23
